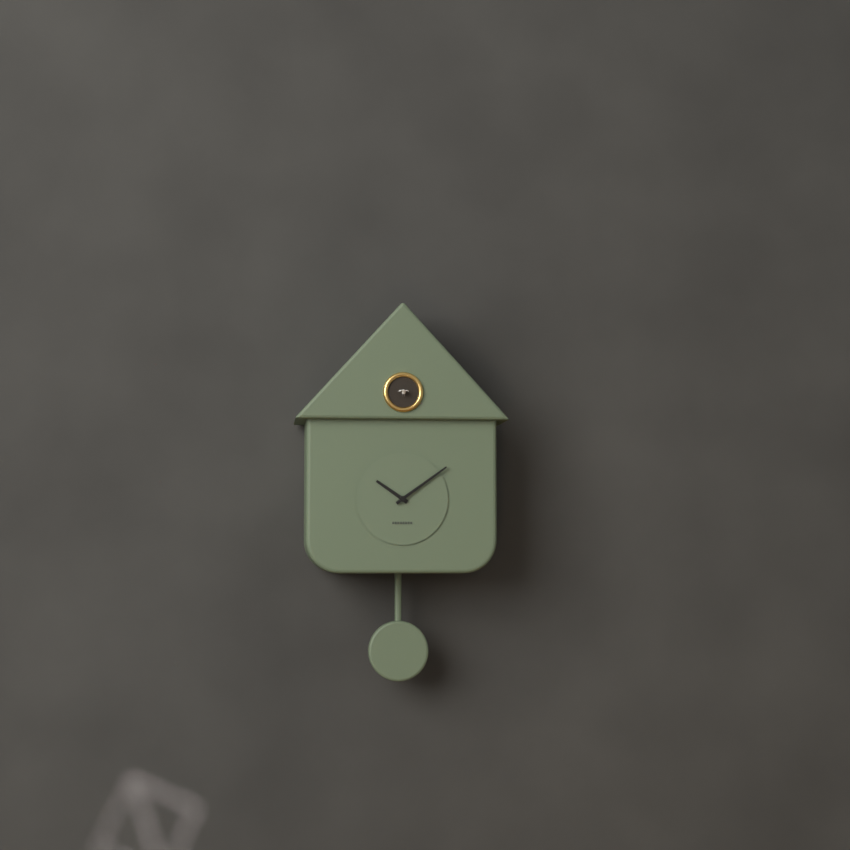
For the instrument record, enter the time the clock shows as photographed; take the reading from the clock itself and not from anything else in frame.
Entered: 10:09
